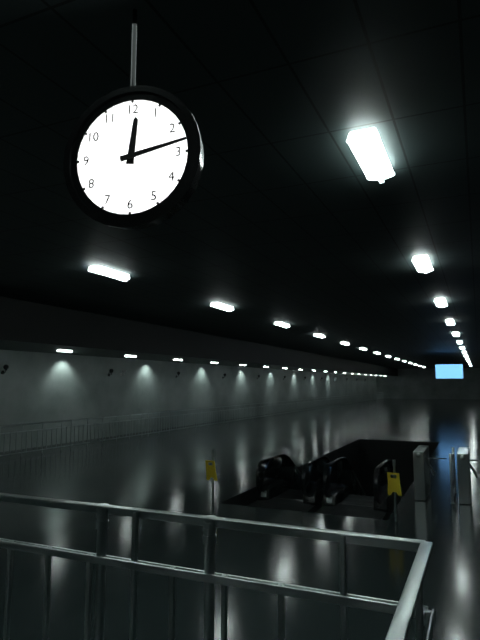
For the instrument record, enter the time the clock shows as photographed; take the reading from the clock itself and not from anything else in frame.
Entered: 12:13
